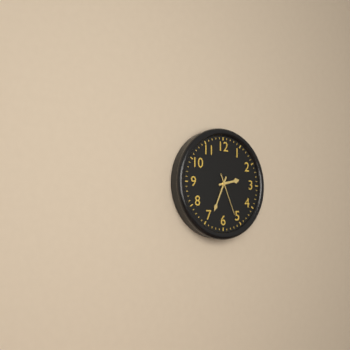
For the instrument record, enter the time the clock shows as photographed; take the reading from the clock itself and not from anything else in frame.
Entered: 2:34
